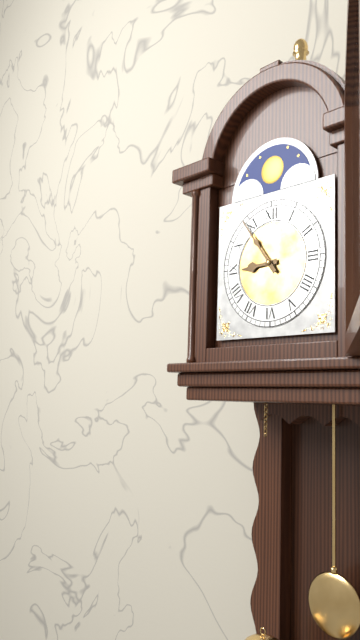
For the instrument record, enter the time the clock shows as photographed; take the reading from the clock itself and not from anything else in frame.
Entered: 8:54
